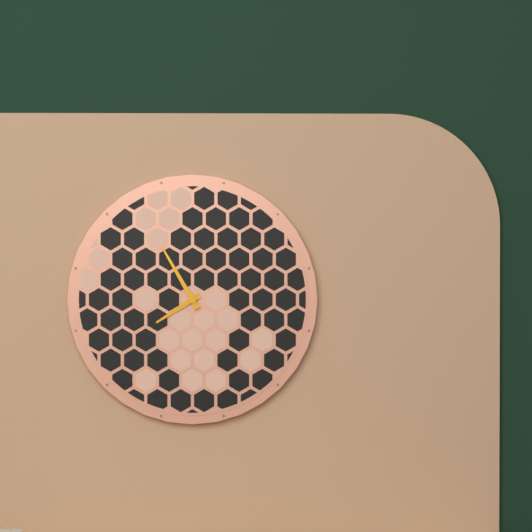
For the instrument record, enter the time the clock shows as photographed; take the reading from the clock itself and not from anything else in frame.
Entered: 7:55
